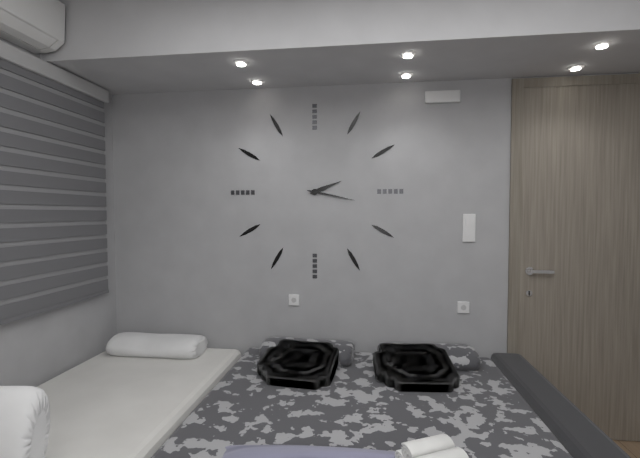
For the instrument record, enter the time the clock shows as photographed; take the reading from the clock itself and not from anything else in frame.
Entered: 2:17
